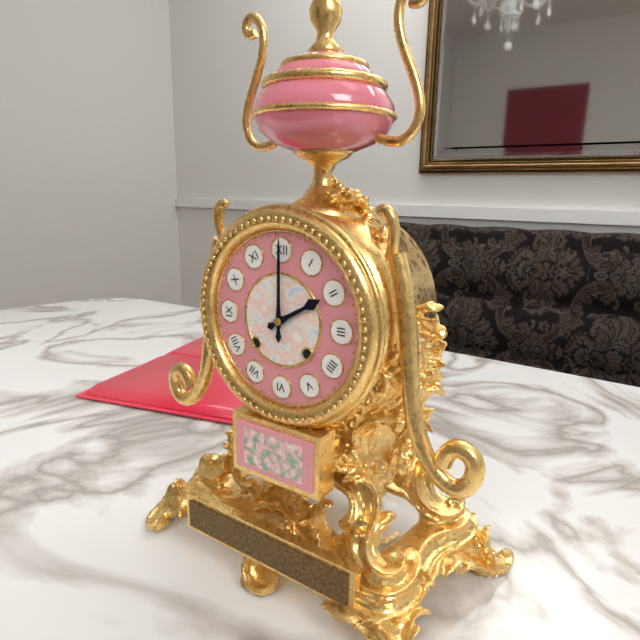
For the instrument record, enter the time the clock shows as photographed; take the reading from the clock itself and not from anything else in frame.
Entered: 2:00
